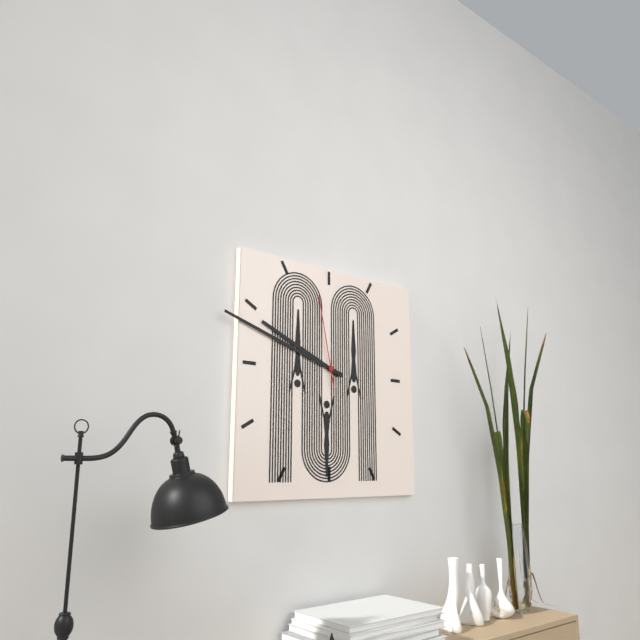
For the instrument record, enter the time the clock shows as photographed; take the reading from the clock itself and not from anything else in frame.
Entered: 9:48:58
